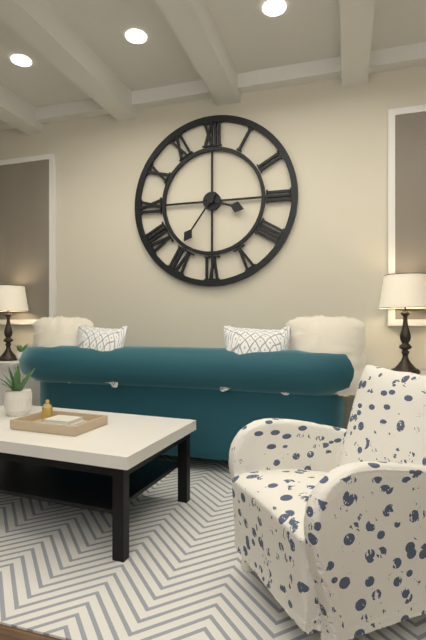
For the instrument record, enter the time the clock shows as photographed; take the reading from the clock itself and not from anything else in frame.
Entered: 3:36
